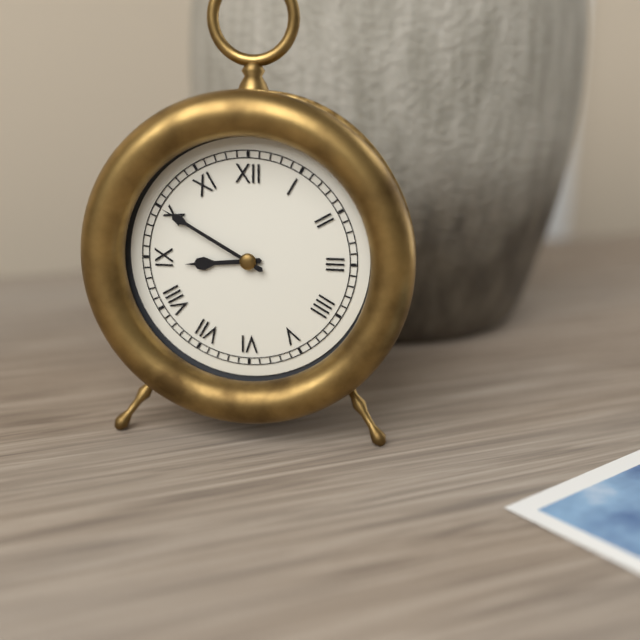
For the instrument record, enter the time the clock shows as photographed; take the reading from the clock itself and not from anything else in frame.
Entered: 8:50
